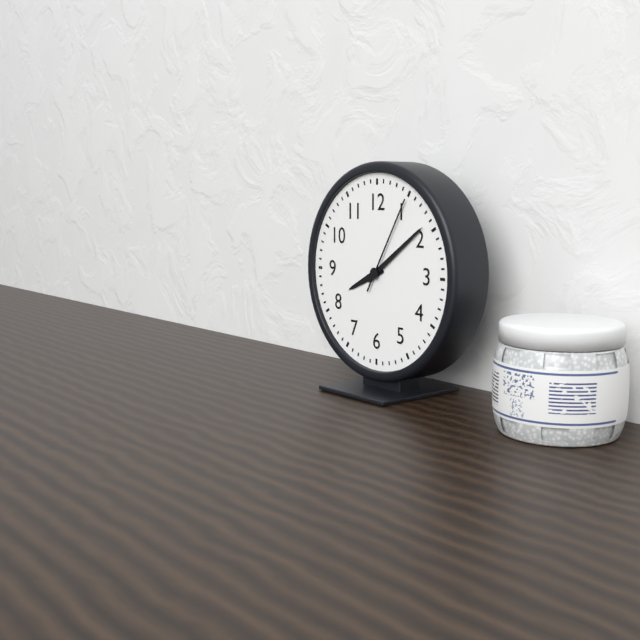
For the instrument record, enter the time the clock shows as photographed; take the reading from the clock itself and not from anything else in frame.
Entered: 8:09:05
